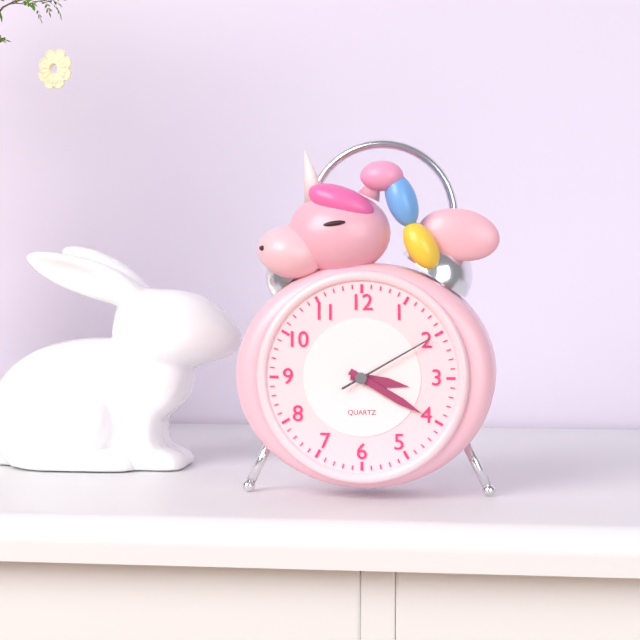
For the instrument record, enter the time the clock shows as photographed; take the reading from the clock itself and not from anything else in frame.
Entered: 3:20:10
